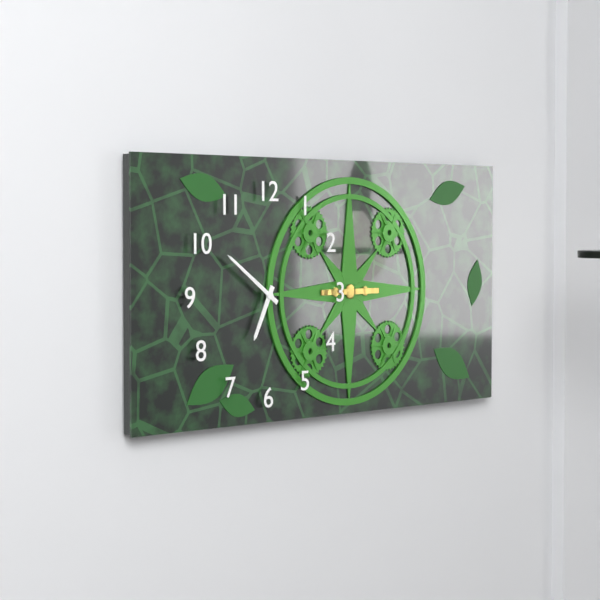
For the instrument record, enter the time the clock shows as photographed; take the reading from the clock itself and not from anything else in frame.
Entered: 6:51
